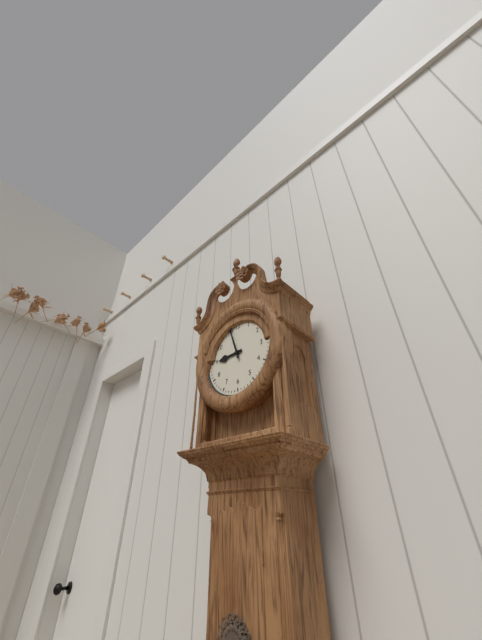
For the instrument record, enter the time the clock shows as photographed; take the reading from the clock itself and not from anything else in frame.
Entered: 8:57
